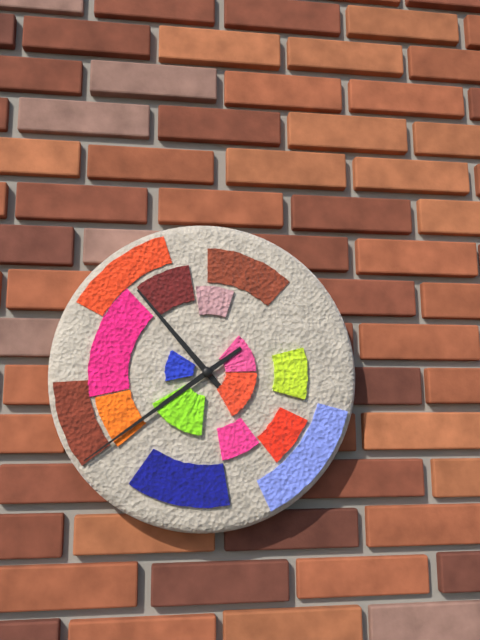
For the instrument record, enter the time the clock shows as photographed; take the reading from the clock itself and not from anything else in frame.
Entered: 10:39
